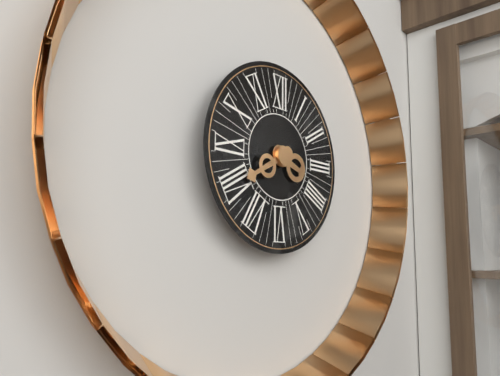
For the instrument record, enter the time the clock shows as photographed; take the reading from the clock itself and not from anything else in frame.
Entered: 3:40
